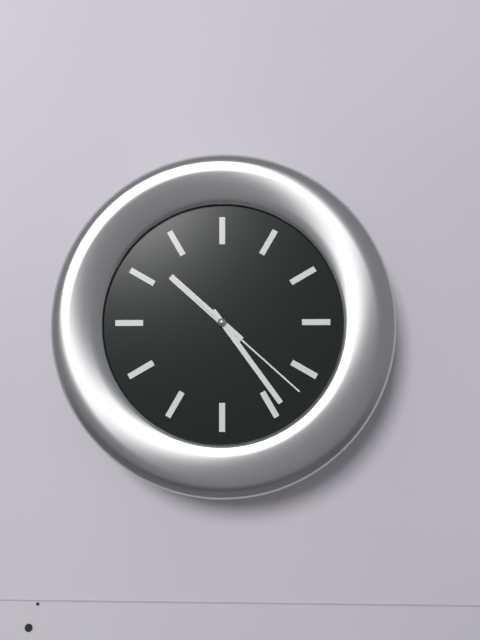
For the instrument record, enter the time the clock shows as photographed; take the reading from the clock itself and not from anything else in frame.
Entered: 10:24:22
